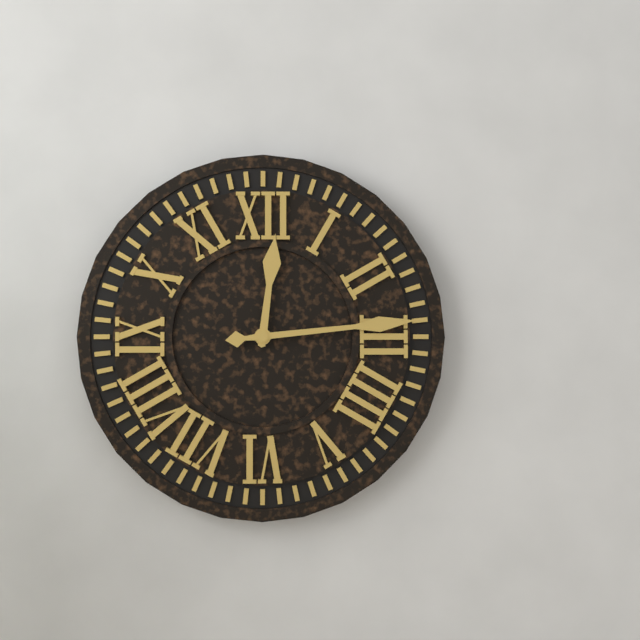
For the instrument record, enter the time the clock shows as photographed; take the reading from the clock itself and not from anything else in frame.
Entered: 12:14
